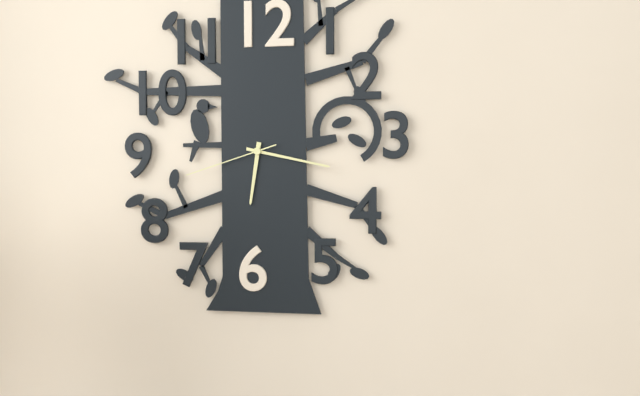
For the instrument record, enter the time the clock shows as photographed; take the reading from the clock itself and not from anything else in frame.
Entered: 6:17:42
